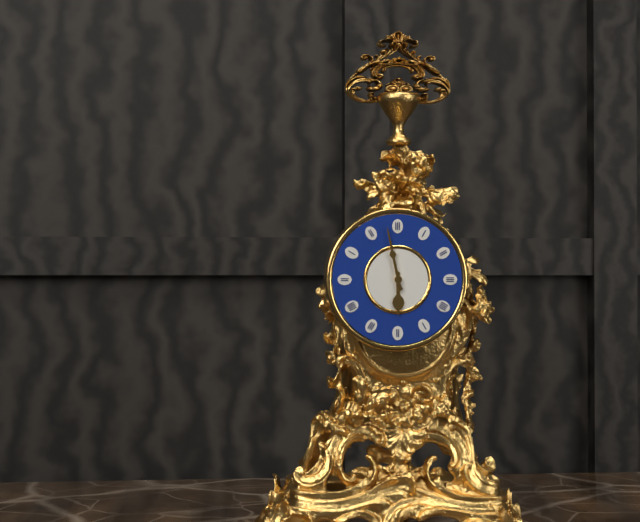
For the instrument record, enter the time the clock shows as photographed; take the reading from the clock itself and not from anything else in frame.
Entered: 5:58
